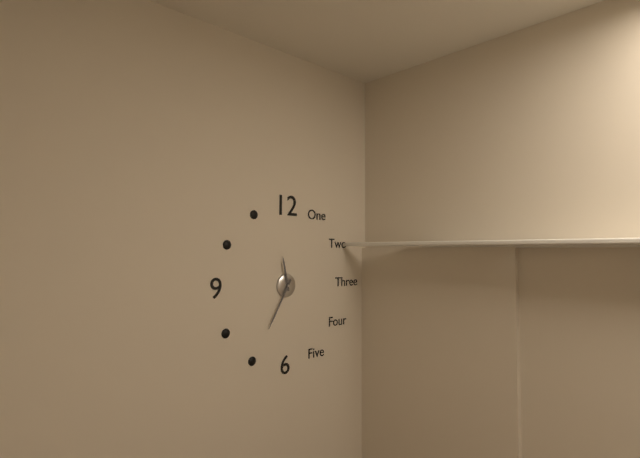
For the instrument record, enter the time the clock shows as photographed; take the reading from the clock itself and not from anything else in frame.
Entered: 11:35
